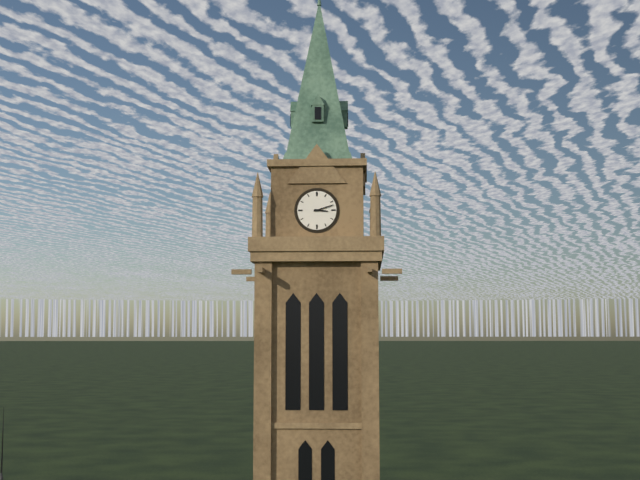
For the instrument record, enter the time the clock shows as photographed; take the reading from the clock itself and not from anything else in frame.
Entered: 3:12
